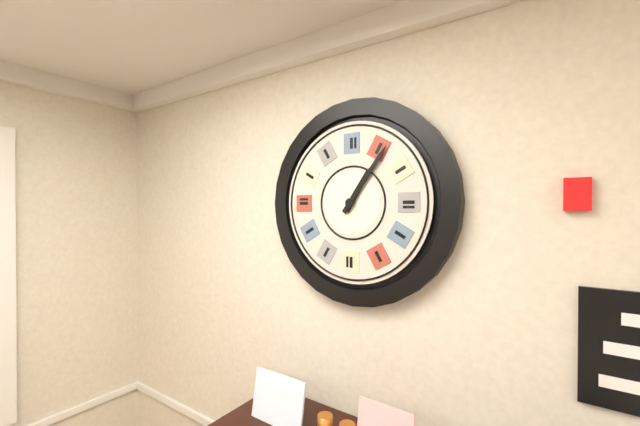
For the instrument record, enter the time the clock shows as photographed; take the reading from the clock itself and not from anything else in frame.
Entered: 1:06
